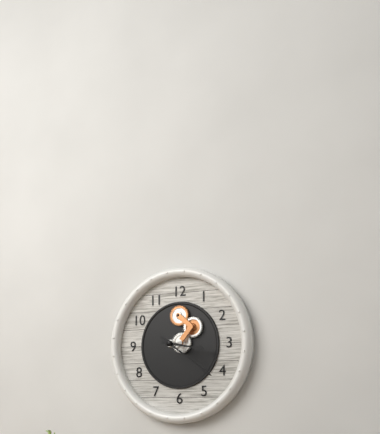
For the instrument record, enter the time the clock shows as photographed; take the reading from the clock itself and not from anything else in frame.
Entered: 3:21
